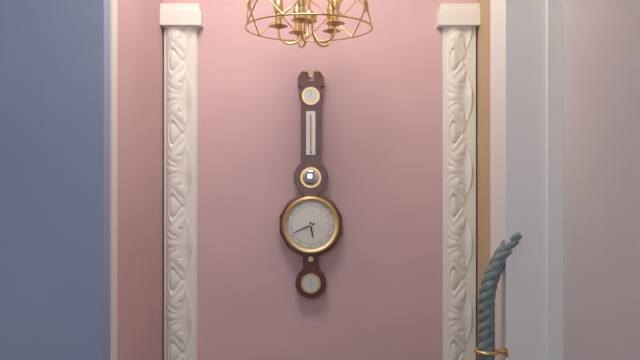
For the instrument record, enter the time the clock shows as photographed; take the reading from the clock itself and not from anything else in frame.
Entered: 5:41
